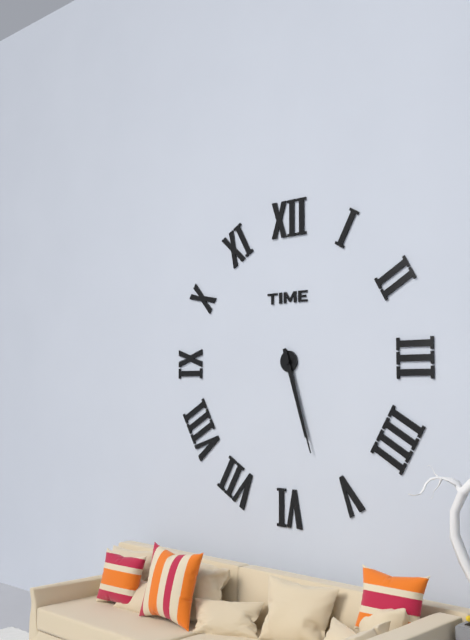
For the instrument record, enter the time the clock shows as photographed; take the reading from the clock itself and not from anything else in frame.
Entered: 5:27
